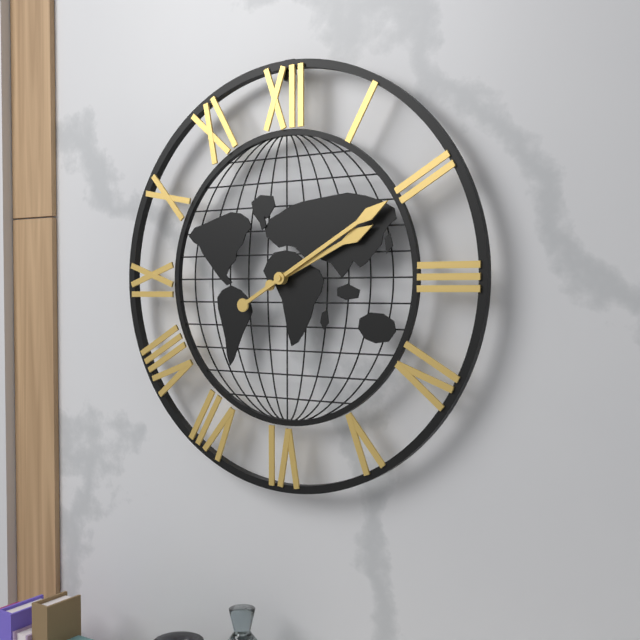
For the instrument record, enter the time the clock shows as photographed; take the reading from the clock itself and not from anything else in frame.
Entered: 2:10
